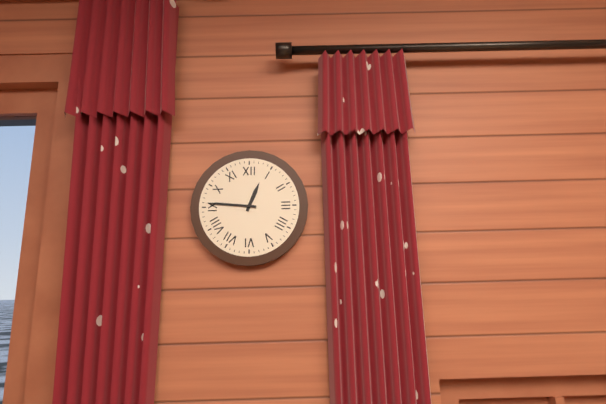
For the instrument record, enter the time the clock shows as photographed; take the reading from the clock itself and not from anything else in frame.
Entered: 12:46
